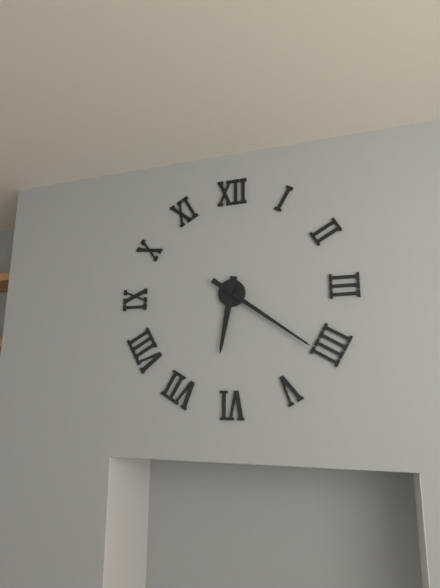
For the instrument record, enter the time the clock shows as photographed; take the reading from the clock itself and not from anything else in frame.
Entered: 6:21
